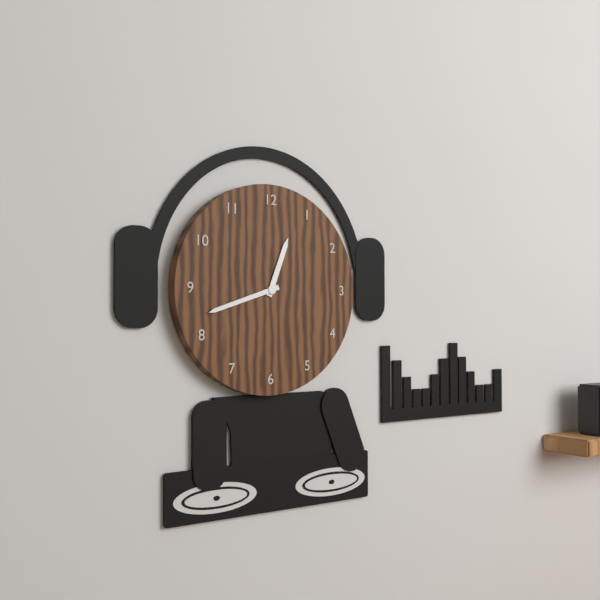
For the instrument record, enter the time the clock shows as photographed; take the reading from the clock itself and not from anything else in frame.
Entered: 12:42
